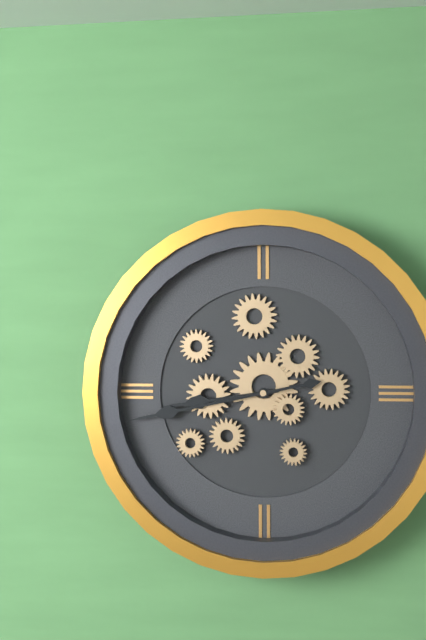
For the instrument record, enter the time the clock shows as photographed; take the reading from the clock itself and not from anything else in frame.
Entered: 8:43
